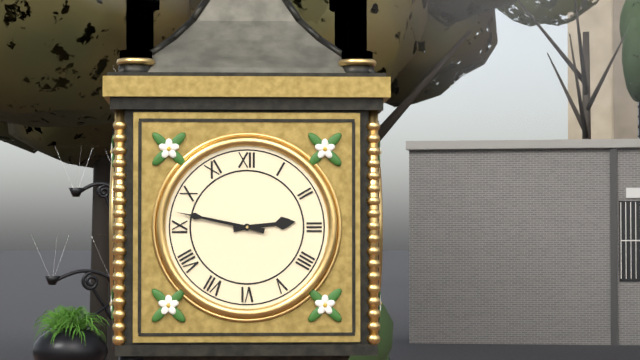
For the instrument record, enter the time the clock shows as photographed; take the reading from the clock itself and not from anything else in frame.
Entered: 2:47
